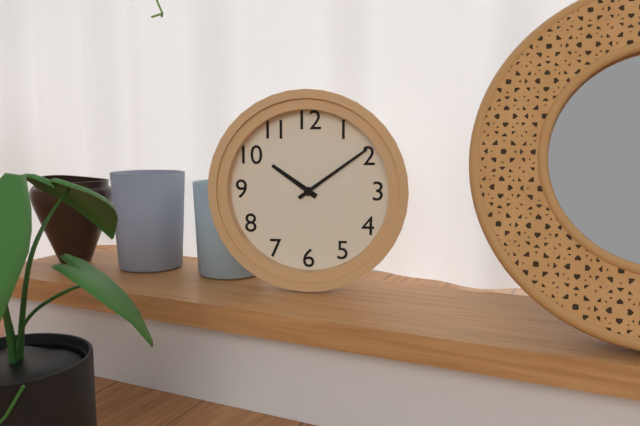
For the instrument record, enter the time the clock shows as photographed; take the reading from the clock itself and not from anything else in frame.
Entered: 10:09
